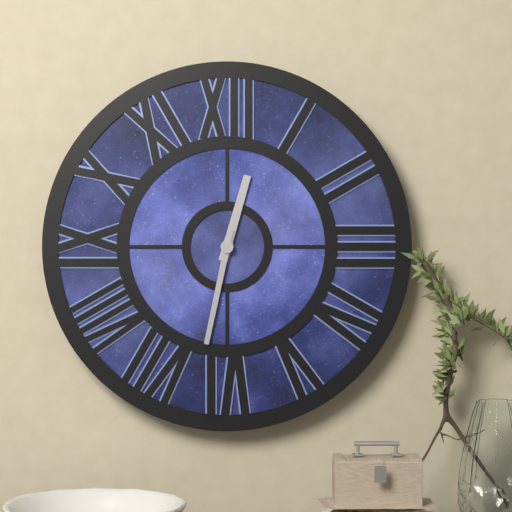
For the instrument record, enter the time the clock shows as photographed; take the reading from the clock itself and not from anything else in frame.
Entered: 12:32
